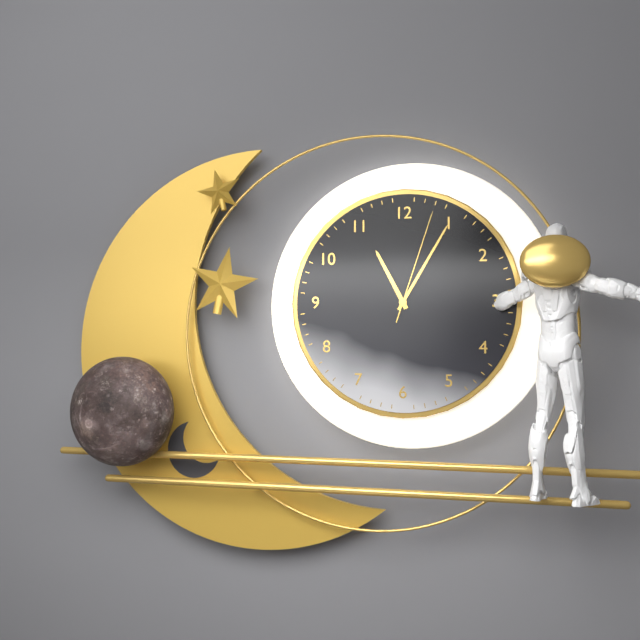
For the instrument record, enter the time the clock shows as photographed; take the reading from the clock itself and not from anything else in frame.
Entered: 11:05:03
